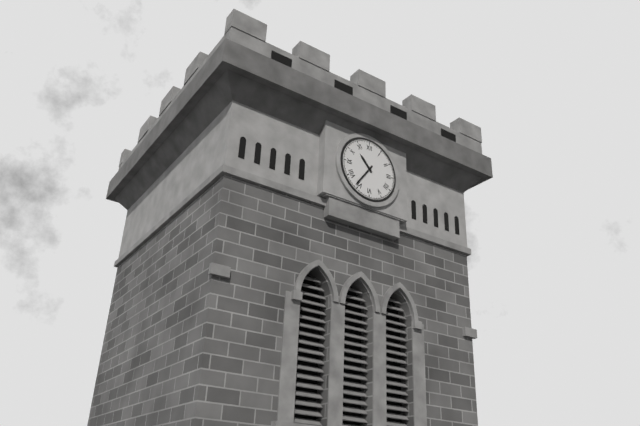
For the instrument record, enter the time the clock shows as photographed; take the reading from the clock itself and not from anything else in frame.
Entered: 10:36
